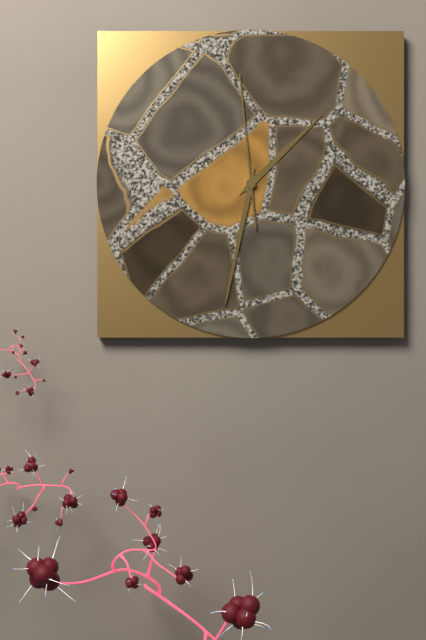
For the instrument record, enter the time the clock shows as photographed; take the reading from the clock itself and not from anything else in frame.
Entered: 1:32:59
